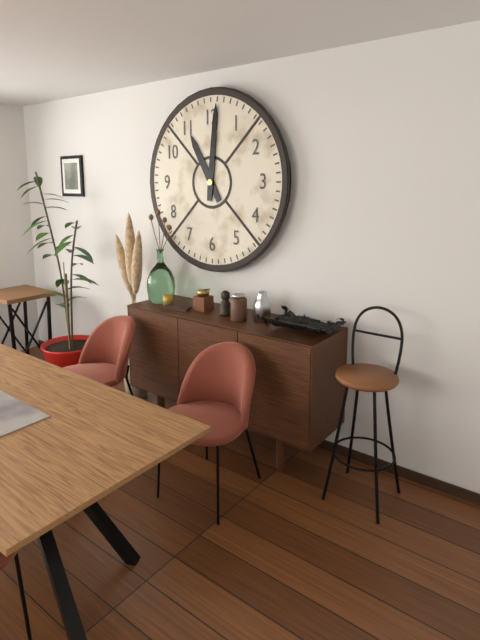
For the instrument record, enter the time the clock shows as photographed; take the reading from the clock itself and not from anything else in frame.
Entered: 11:01
